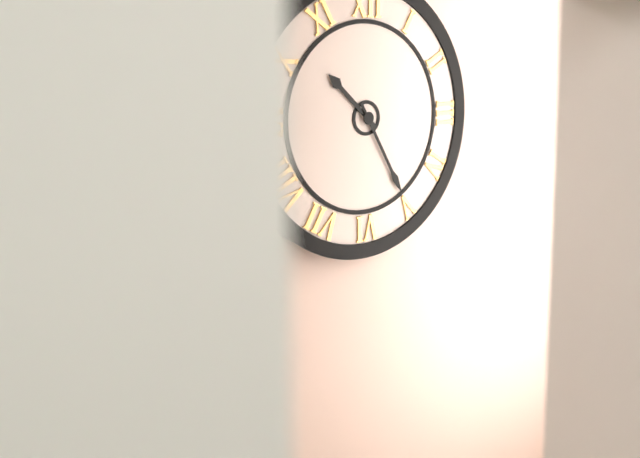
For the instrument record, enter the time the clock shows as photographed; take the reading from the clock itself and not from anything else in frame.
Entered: 10:25
